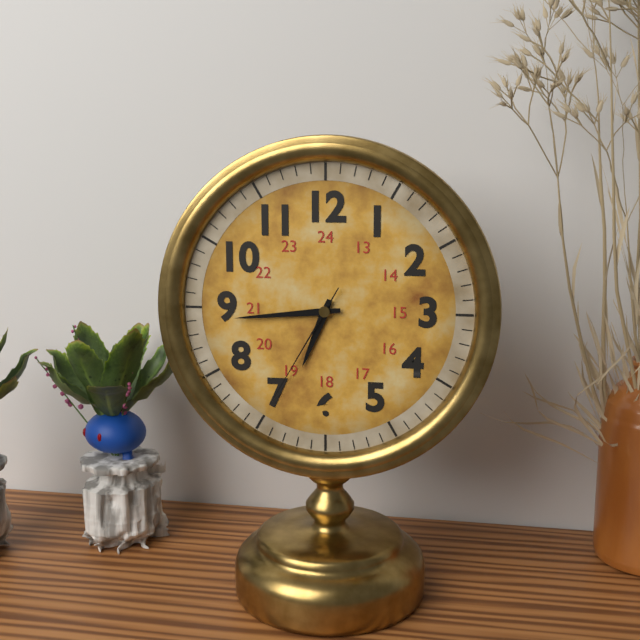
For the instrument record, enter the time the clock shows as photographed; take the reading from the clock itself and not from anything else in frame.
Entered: 6:44:35
